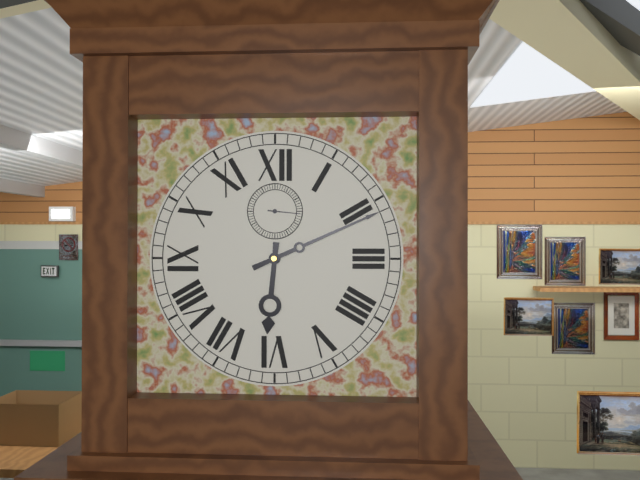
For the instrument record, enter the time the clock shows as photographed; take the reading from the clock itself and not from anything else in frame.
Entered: 6:11
